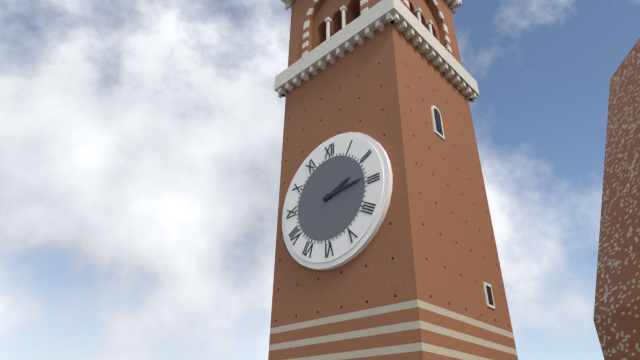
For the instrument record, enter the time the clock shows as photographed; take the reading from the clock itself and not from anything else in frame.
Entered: 2:14
